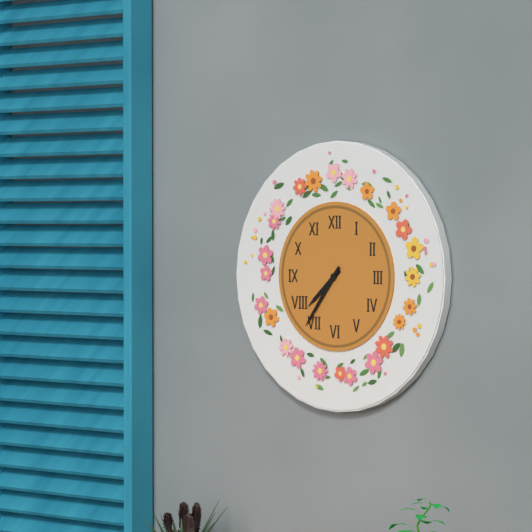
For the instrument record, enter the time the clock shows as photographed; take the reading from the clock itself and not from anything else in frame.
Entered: 7:36
